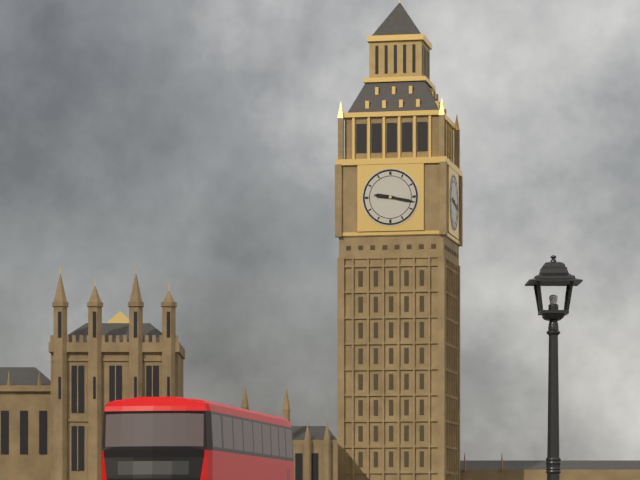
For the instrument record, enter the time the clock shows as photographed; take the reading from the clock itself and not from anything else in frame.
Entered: 9:17
